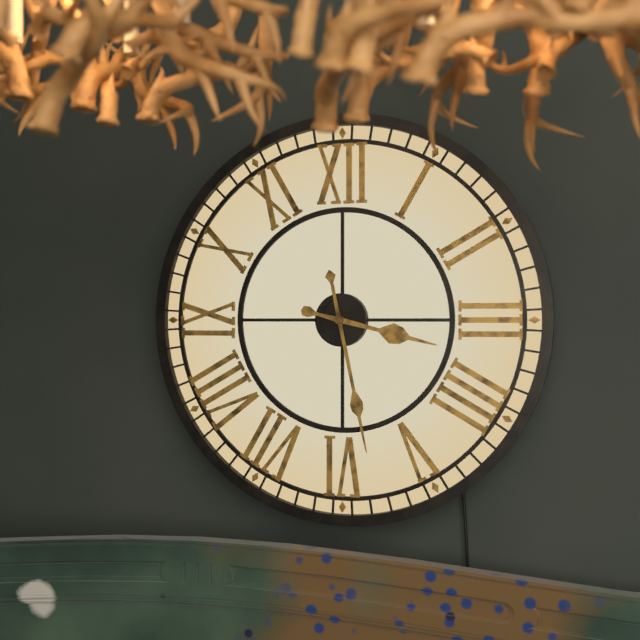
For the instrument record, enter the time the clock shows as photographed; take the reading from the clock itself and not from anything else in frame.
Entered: 3:28
